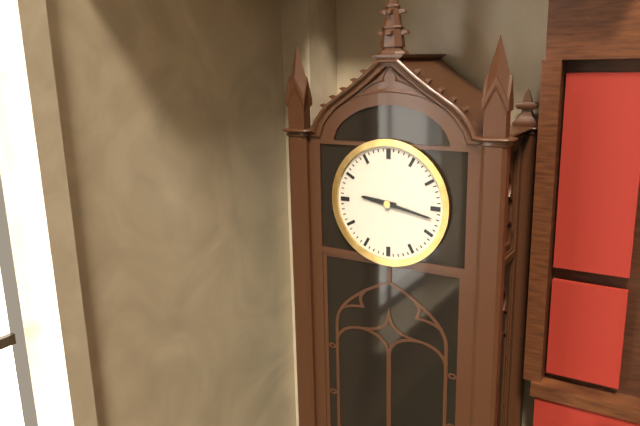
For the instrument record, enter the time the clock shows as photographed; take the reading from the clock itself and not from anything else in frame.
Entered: 9:17
